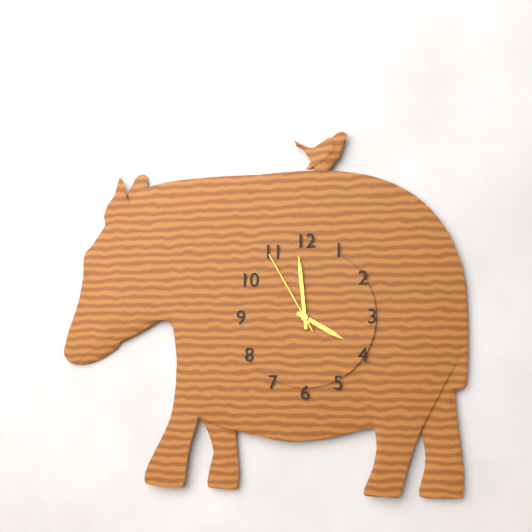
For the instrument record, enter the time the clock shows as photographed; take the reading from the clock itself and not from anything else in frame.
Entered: 3:59:55
